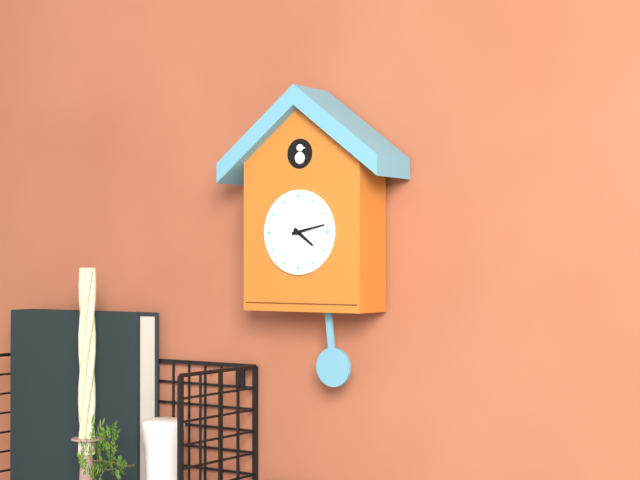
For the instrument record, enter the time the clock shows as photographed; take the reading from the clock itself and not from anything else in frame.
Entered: 4:13
